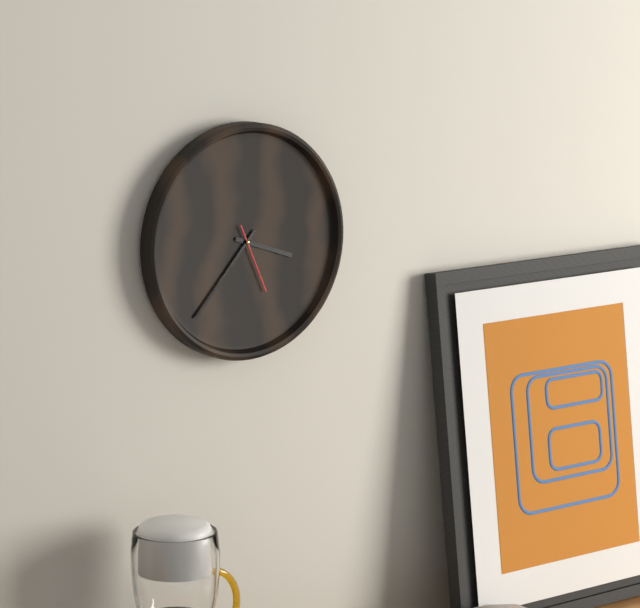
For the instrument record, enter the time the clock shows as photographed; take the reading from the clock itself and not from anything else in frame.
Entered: 3:37:26
